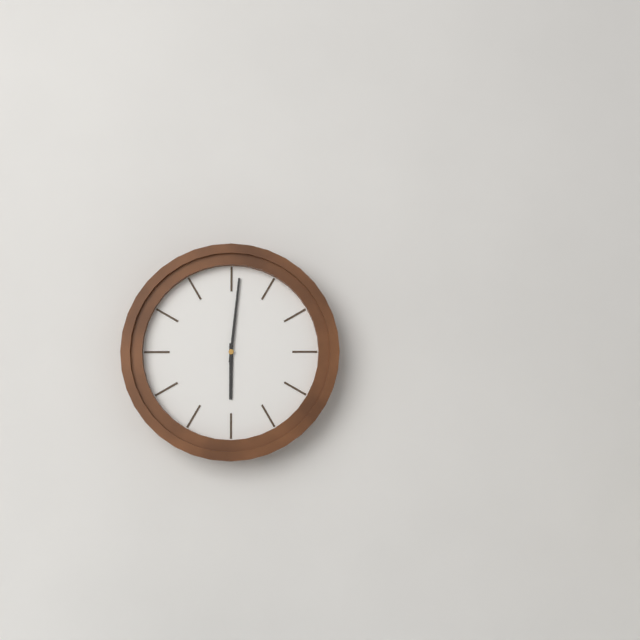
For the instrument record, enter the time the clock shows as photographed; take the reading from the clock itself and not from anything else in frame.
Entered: 6:01
